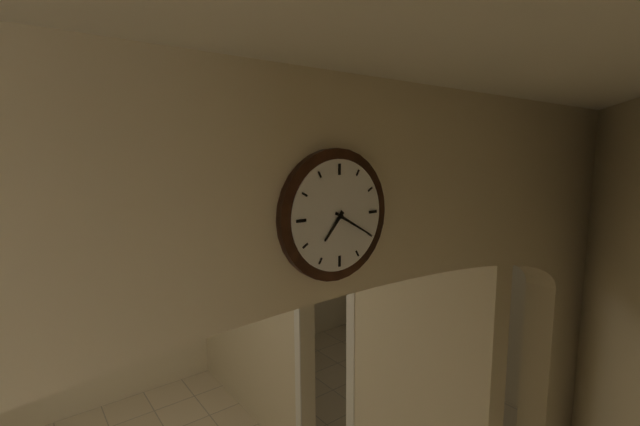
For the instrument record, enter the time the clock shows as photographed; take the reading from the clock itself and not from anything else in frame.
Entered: 7:20
